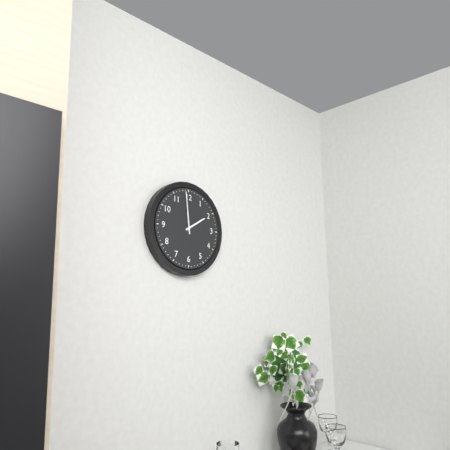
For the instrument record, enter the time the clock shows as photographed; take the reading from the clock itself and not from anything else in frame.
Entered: 1:59
